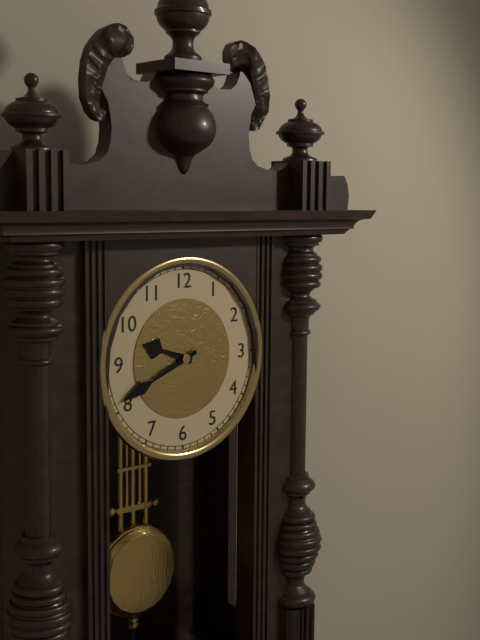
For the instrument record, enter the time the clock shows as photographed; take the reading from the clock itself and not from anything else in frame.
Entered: 9:41
